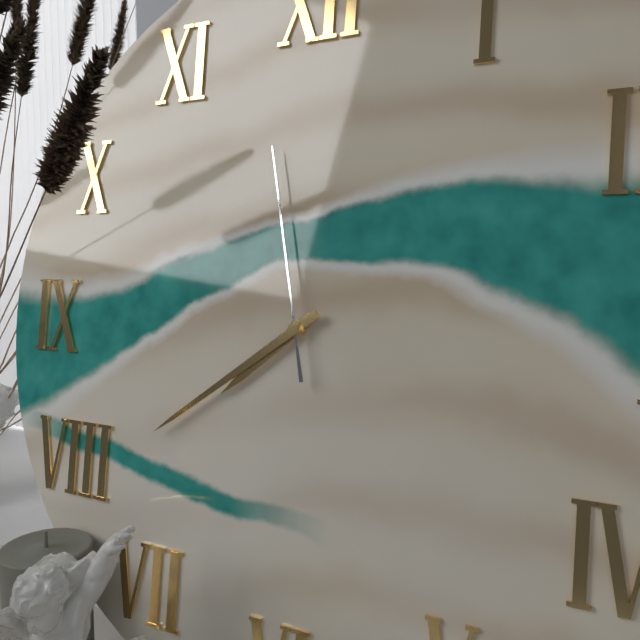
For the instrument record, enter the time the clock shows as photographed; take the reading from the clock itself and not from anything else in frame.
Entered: 7:39:58
